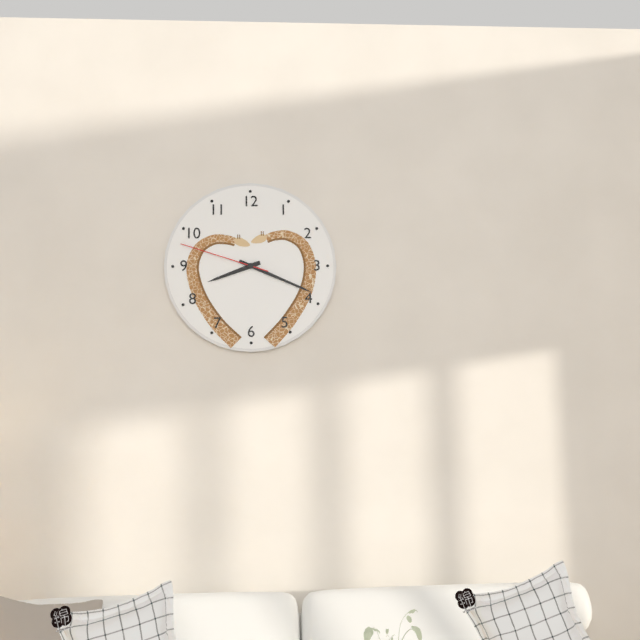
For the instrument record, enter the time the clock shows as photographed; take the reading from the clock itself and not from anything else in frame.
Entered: 8:19:48
